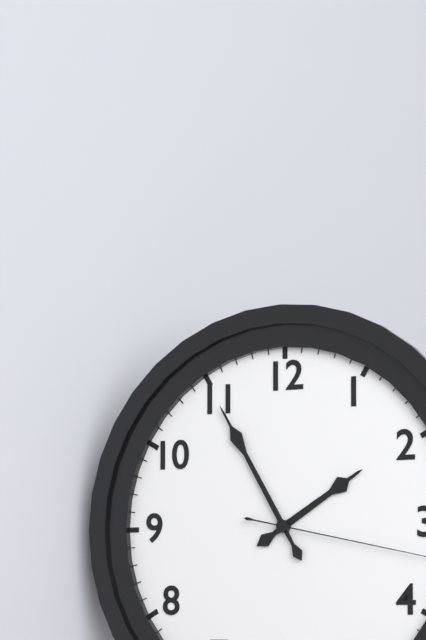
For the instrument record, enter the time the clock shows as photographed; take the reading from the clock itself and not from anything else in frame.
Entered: 1:55
